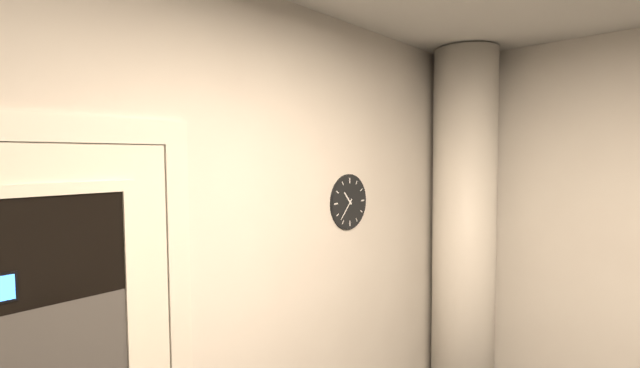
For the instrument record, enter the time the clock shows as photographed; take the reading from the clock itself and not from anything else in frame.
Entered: 10:37
